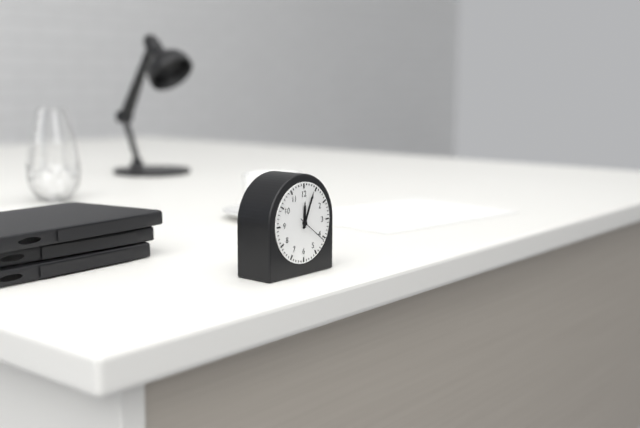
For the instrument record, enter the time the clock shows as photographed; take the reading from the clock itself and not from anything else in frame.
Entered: 12:04:21
